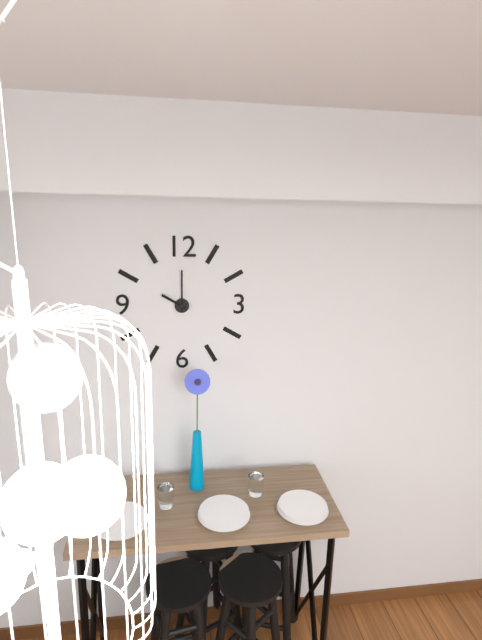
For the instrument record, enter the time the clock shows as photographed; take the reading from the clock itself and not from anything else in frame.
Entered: 10:00
